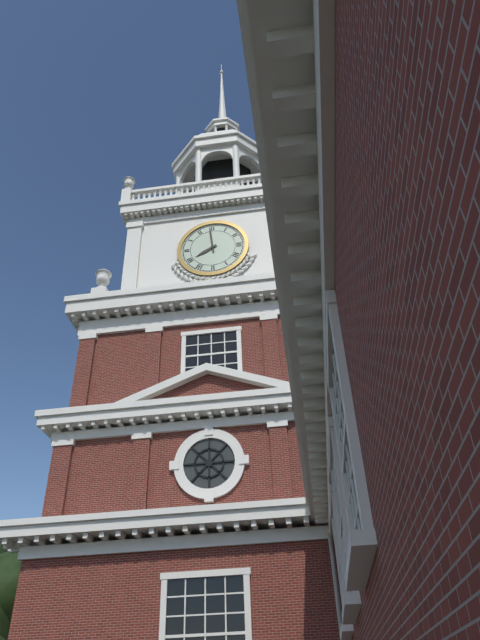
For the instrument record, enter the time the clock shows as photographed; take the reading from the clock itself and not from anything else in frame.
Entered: 7:59
